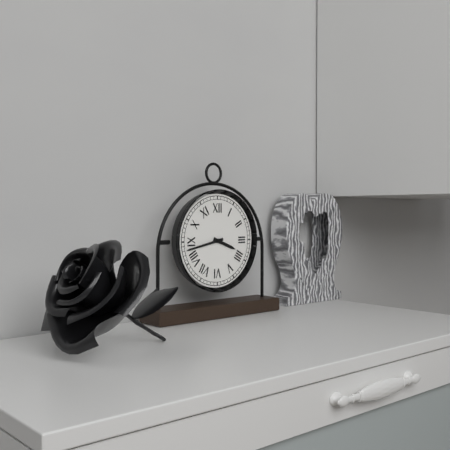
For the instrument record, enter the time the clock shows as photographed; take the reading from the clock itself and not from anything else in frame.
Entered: 3:43
